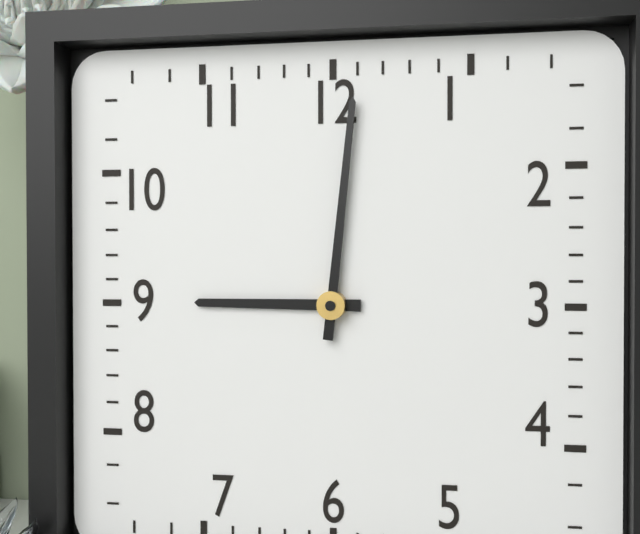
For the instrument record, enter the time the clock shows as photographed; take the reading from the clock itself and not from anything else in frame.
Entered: 9:01
